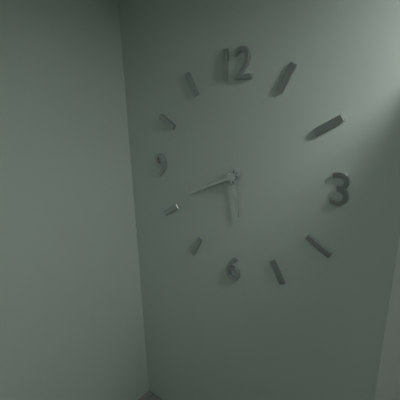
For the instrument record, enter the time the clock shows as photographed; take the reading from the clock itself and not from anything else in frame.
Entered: 5:41
